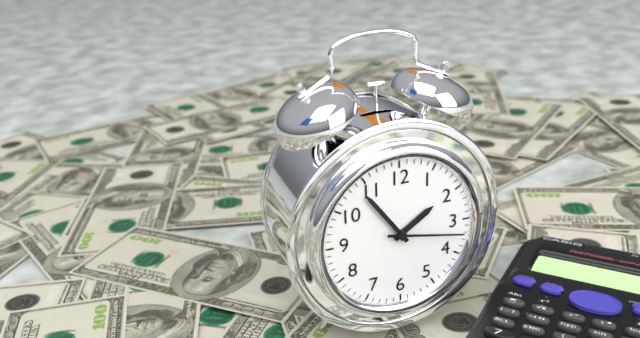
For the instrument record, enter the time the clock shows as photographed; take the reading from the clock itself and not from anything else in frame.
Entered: 1:54:17
